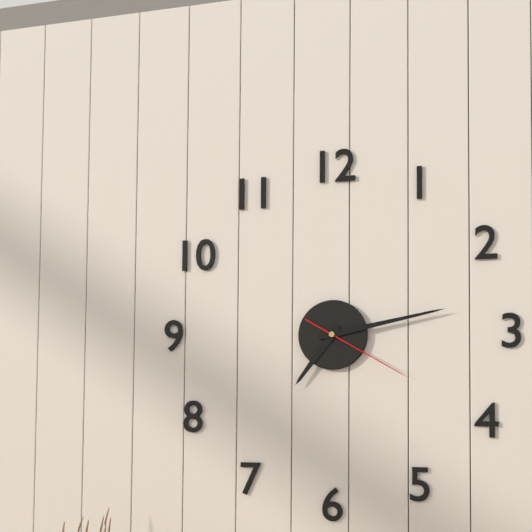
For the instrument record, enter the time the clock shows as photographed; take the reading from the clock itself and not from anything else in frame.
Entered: 7:13:20
